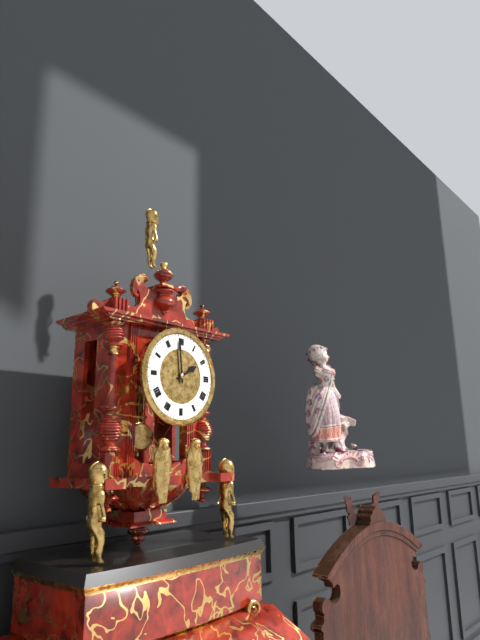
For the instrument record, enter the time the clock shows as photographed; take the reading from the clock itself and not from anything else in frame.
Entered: 1:59
